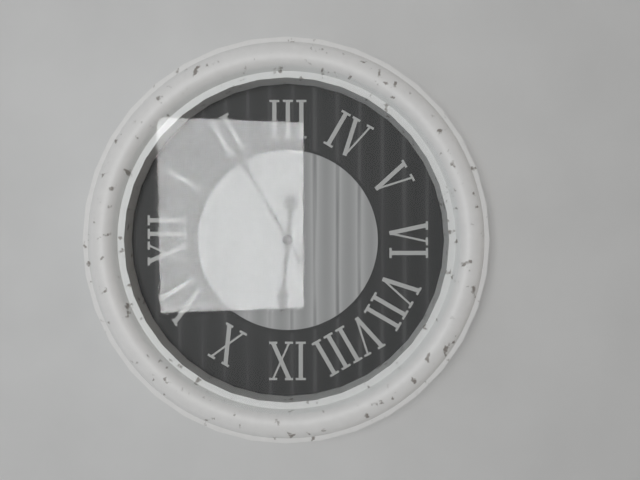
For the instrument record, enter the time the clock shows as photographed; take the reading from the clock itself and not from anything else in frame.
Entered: 9:10
